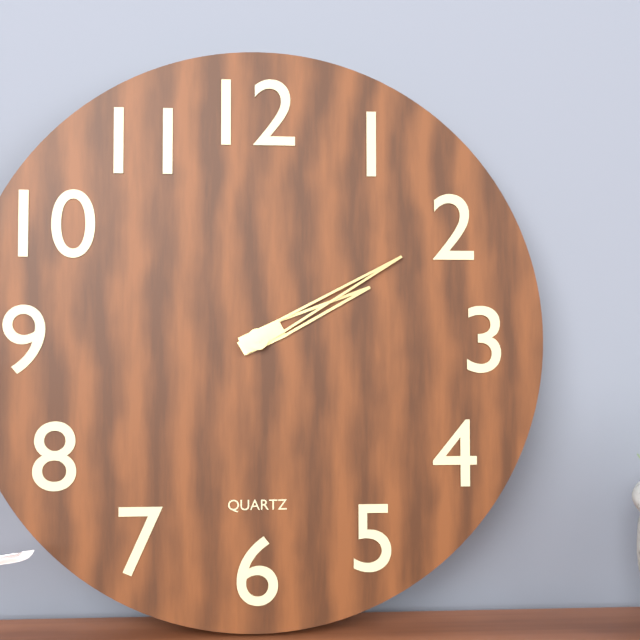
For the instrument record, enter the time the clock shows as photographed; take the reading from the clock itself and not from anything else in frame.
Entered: 2:10
